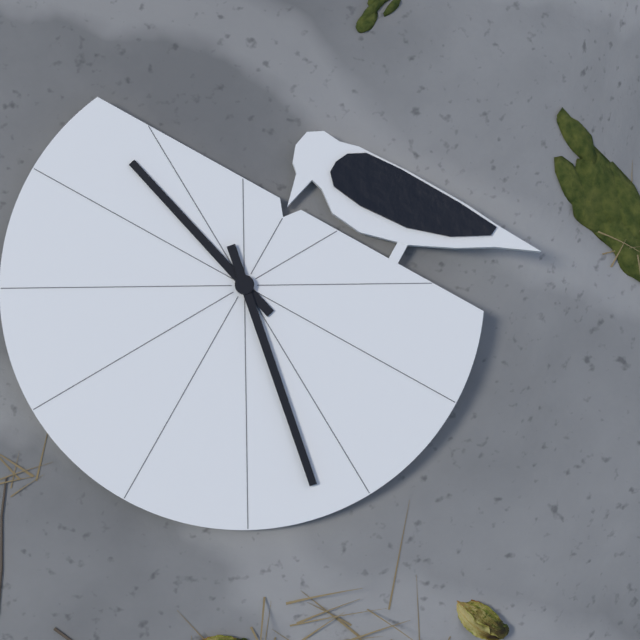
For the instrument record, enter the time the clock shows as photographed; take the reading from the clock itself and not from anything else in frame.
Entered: 12:37
